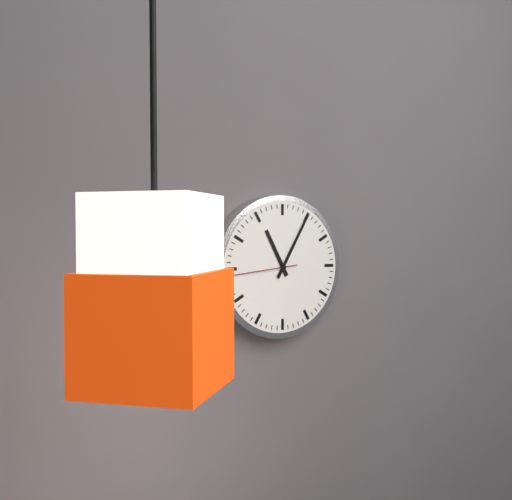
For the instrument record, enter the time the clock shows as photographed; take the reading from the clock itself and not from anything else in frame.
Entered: 11:05:44
